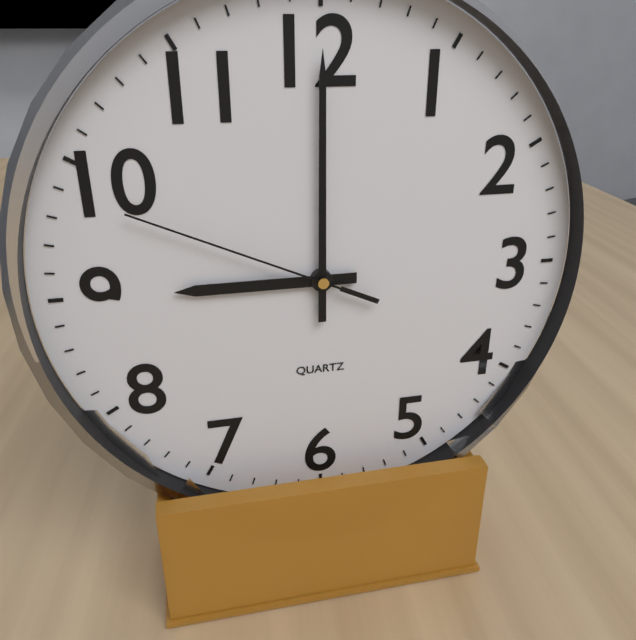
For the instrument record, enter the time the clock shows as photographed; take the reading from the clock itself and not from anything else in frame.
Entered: 9:00:49
